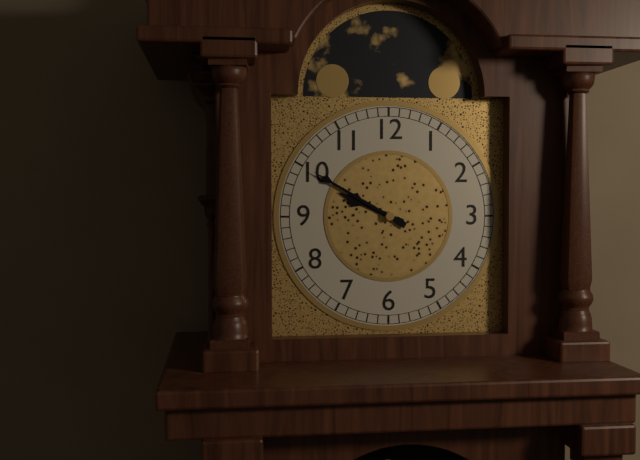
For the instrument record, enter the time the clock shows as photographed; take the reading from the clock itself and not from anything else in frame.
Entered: 9:50
